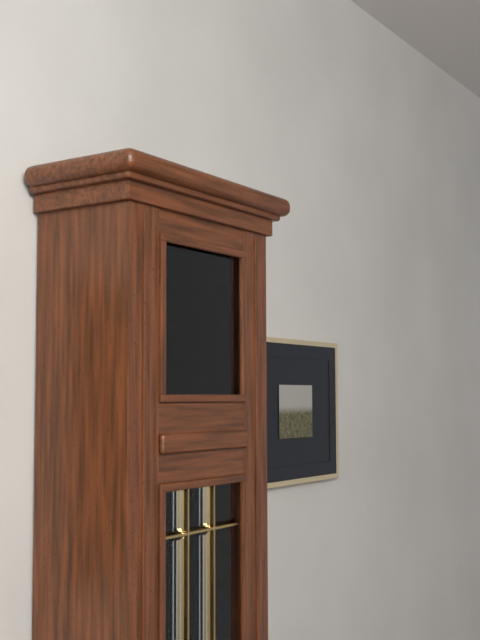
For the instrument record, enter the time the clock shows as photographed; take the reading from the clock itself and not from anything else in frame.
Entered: 5:22
